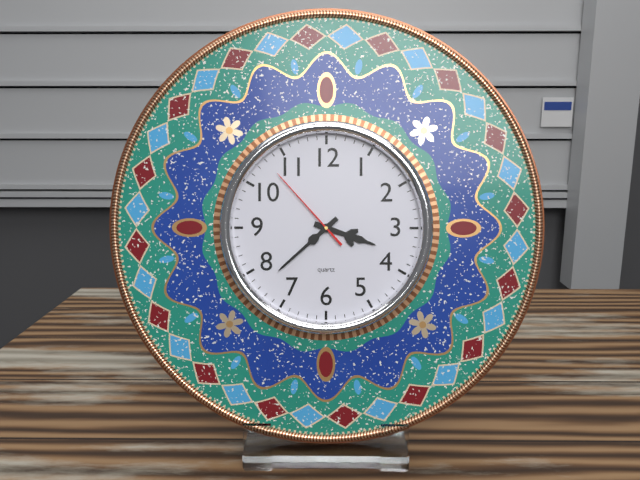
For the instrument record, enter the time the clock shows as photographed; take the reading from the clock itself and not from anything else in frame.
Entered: 3:38:53
